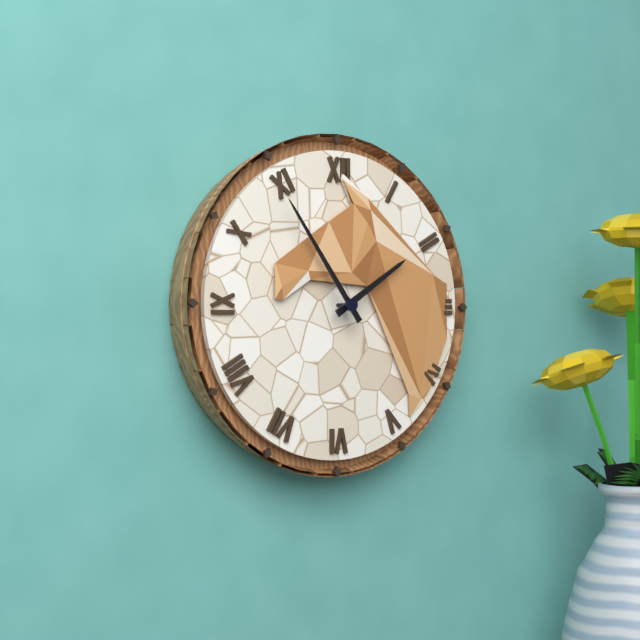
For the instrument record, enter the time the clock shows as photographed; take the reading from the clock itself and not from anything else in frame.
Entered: 1:54
